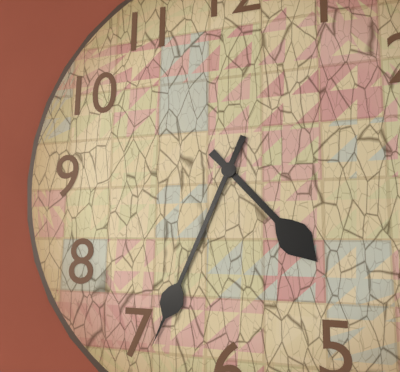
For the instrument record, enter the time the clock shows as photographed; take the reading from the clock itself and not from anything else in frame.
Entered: 4:34
